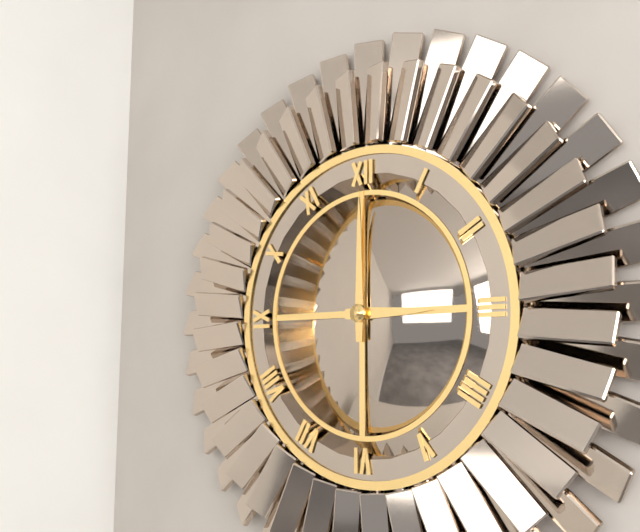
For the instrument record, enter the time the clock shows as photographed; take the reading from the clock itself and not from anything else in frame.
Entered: 3:00
